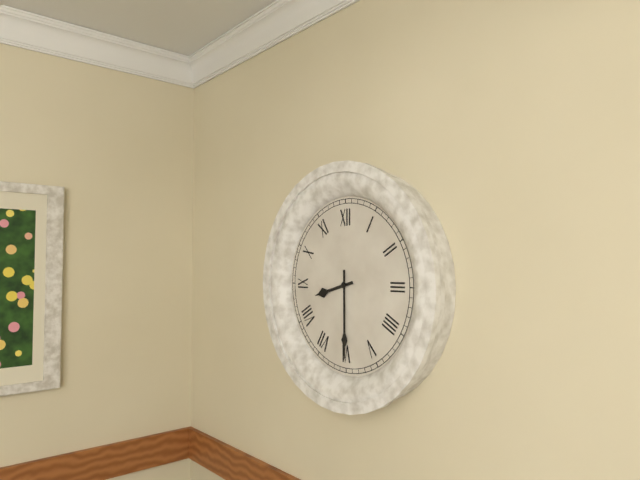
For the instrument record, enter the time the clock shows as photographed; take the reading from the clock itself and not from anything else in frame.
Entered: 8:30
